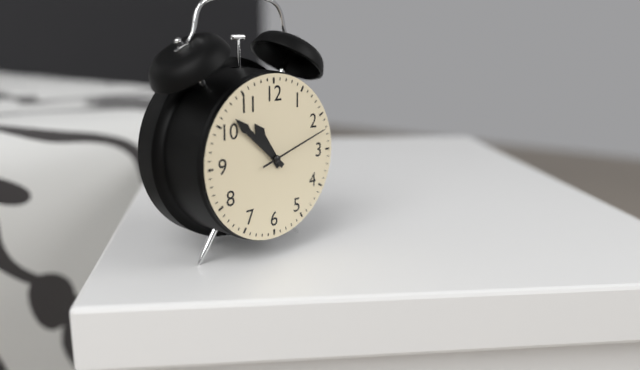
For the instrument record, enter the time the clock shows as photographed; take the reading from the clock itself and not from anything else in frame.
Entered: 10:52:12
